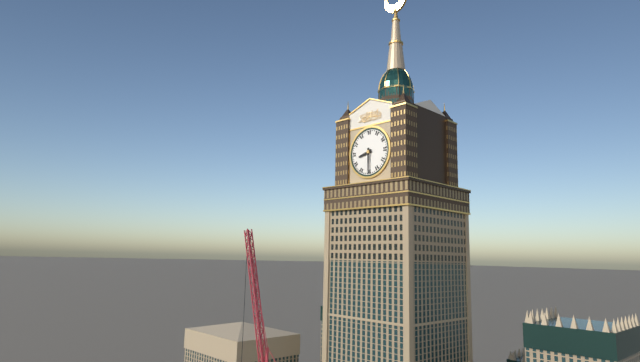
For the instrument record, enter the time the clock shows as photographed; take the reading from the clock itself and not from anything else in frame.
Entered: 8:30
